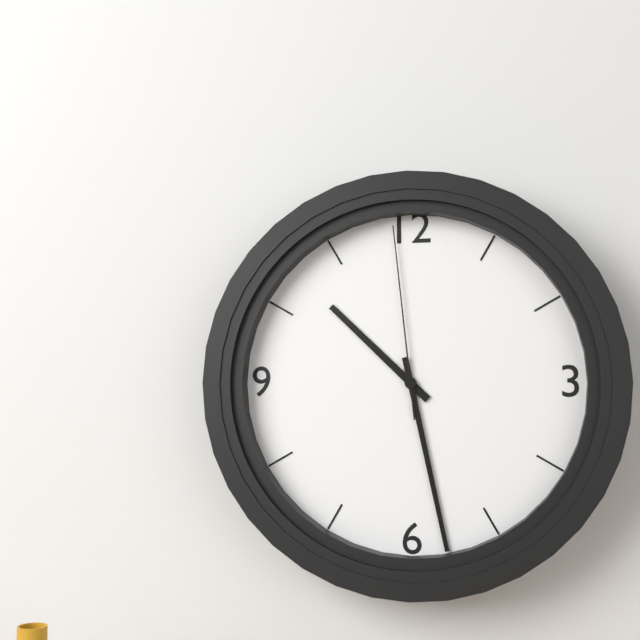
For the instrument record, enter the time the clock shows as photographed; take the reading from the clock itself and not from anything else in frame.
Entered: 10:28:59
